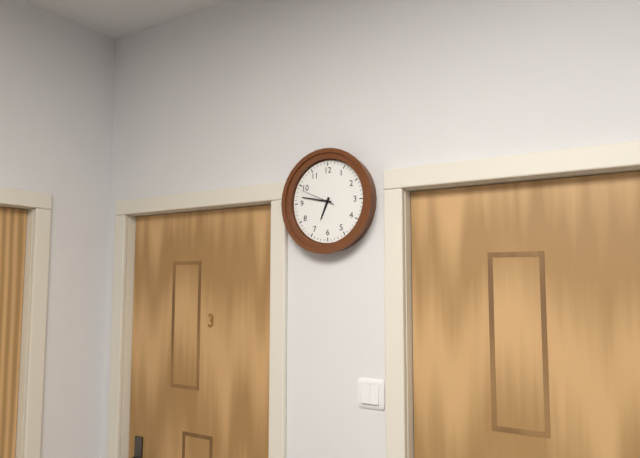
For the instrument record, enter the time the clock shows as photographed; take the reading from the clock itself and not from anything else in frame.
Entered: 6:47
